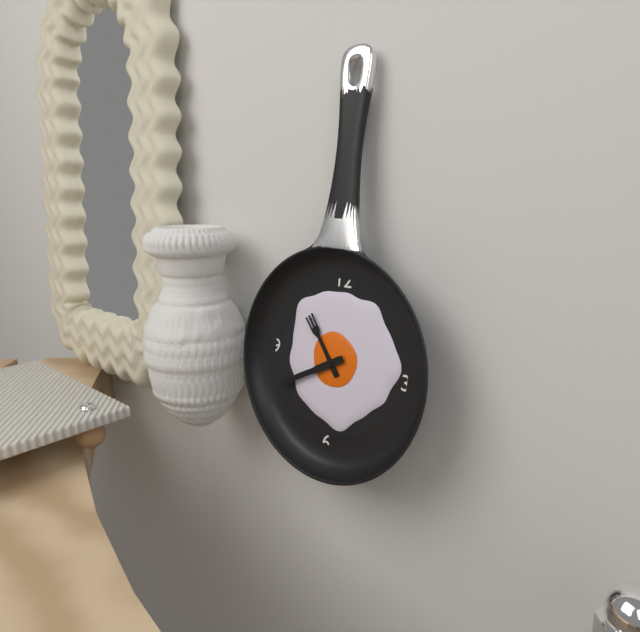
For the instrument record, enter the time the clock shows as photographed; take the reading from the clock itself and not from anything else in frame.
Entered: 10:40
